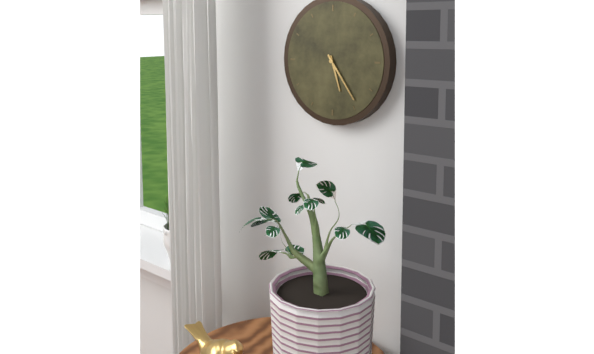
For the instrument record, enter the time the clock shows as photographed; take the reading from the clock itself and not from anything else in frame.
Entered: 5:24
